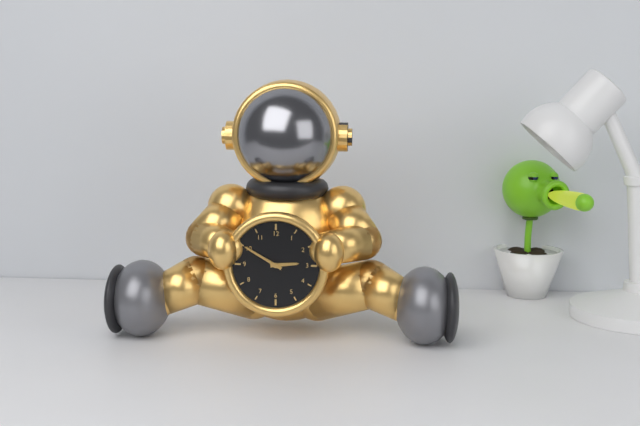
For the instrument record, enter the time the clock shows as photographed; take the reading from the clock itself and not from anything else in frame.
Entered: 2:50
